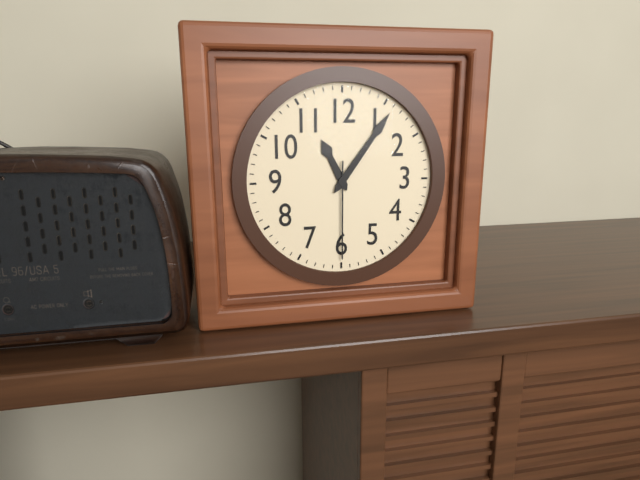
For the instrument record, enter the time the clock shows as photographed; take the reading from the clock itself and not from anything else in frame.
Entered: 11:06:30
